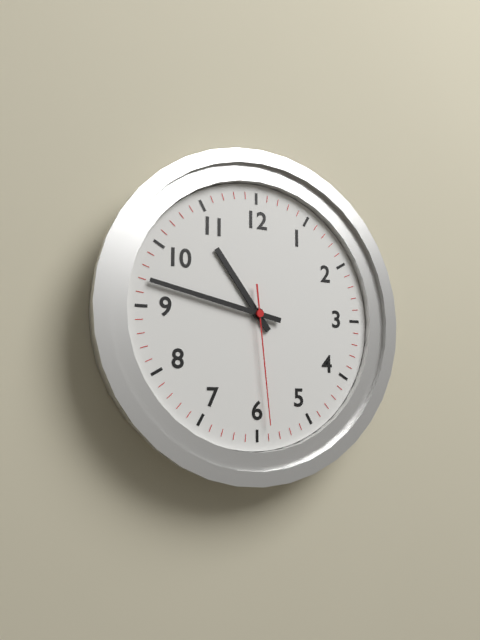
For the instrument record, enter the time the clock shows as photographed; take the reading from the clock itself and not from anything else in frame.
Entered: 10:47:29
